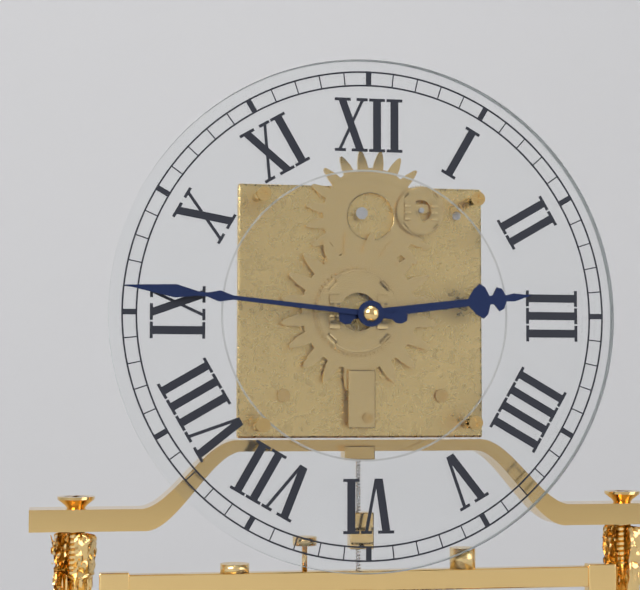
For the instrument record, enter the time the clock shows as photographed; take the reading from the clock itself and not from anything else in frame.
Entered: 2:46
